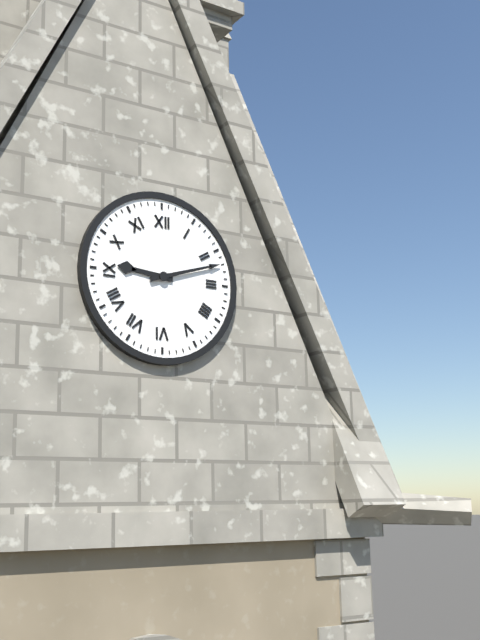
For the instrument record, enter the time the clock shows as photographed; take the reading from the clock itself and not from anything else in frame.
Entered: 9:12
